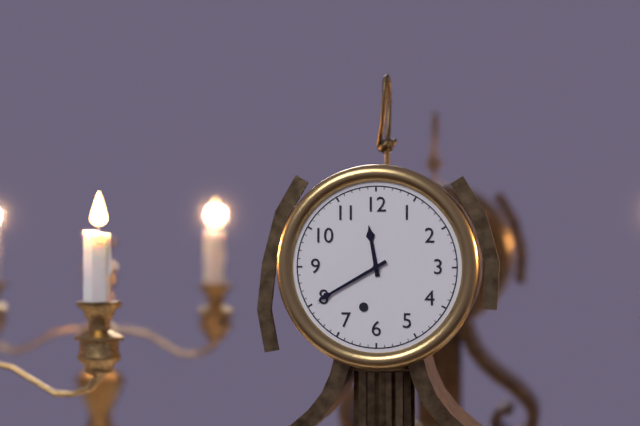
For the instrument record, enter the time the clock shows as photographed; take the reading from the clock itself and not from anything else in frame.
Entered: 11:40
